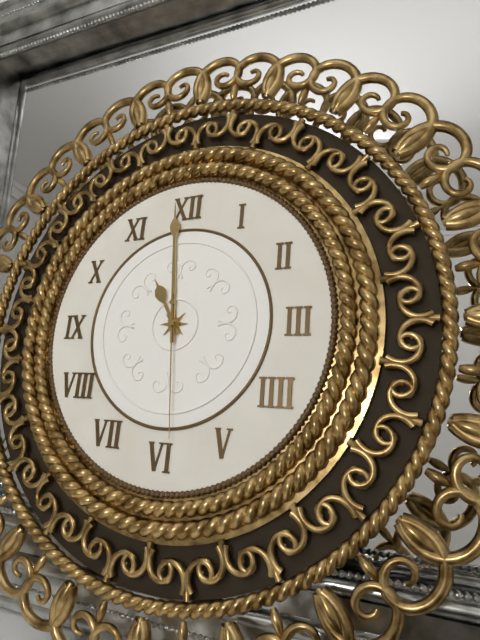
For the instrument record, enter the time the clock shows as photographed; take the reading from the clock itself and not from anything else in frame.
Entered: 10:59:29
